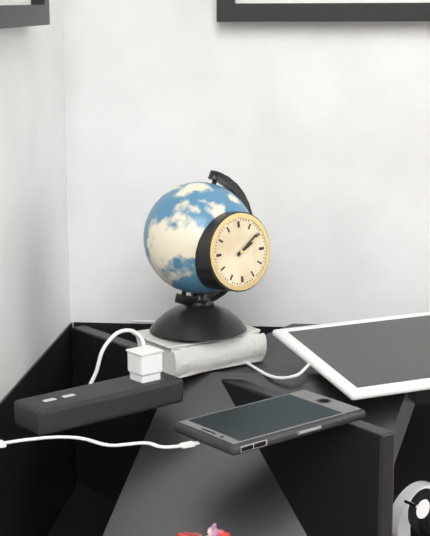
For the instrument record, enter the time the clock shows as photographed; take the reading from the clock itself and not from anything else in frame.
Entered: 2:09
